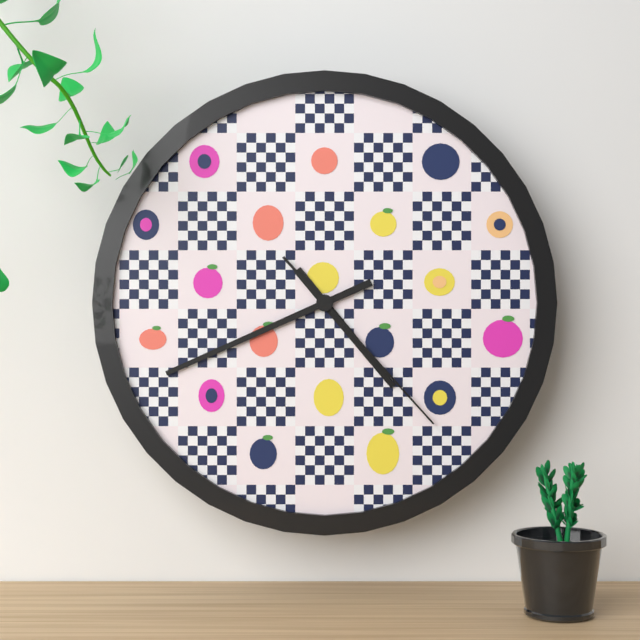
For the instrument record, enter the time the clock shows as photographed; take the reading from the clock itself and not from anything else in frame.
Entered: 4:41:23
